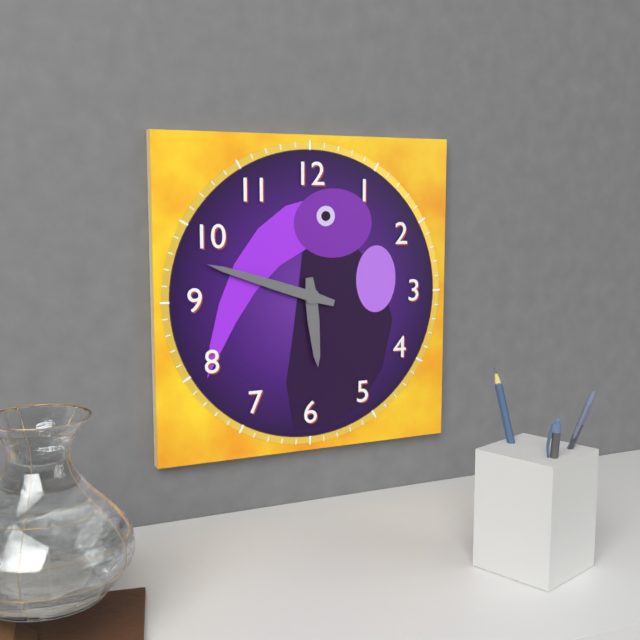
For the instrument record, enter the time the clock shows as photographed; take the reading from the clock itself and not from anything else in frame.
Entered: 5:48
